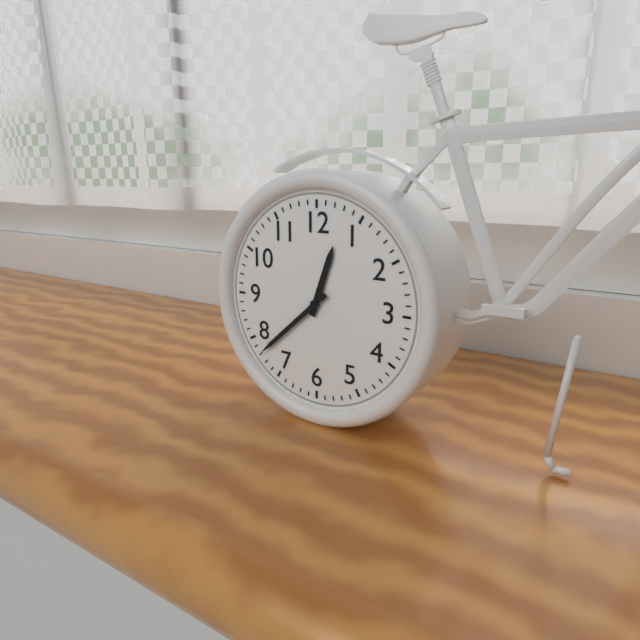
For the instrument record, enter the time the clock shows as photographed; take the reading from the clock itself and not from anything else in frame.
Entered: 12:38
